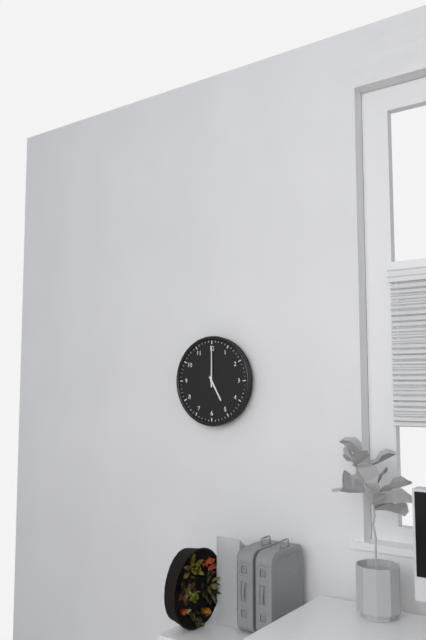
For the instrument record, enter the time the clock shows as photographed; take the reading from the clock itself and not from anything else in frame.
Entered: 5:00
